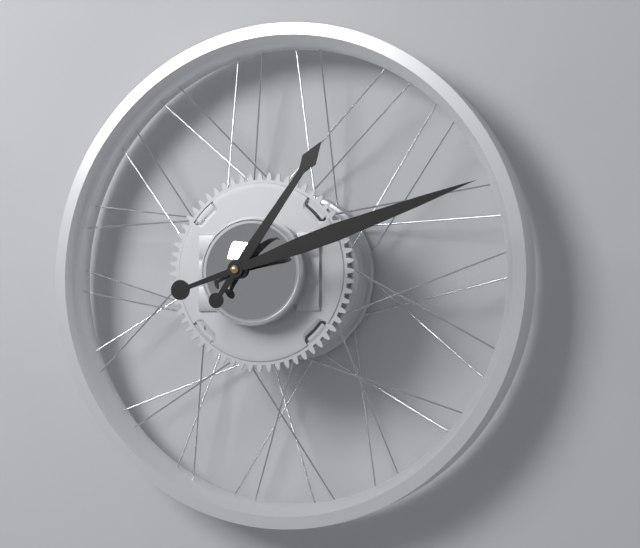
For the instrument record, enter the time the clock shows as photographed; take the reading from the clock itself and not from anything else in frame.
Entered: 1:12
